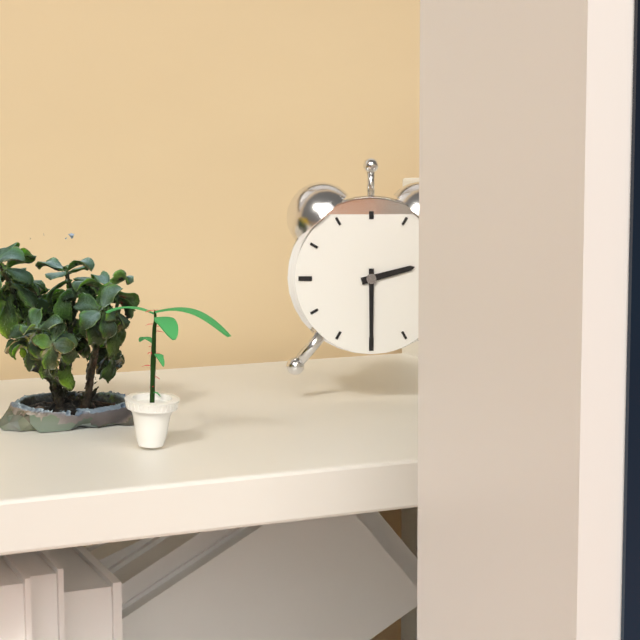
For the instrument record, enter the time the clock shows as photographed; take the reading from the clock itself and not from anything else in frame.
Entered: 2:30
